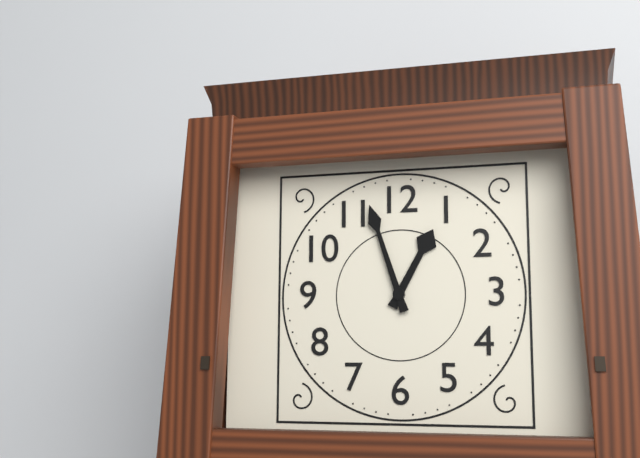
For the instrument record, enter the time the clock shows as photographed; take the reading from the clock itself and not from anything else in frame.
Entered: 12:57
